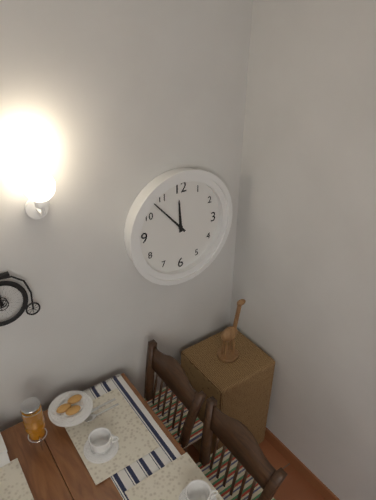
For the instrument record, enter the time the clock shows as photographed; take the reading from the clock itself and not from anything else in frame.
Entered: 11:53
